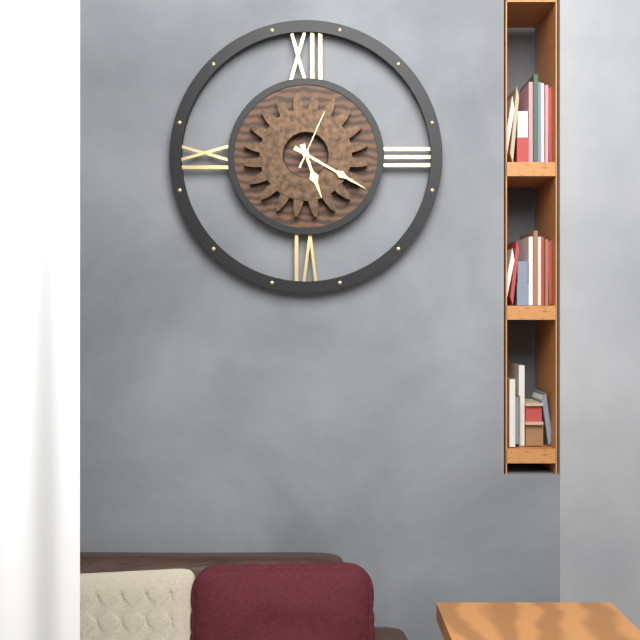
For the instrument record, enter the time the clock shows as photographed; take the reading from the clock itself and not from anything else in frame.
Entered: 5:20:04
